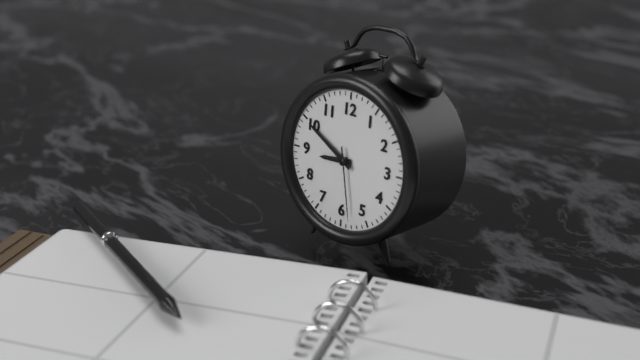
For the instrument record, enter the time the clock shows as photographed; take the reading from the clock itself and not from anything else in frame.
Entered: 8:50:28
